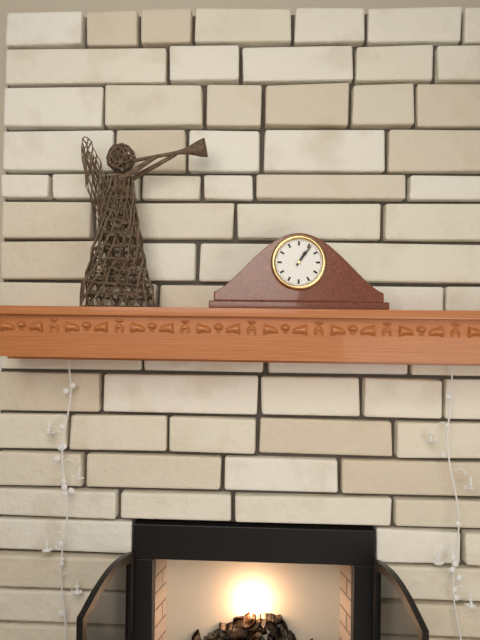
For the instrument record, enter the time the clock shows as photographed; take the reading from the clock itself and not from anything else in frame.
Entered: 1:06
